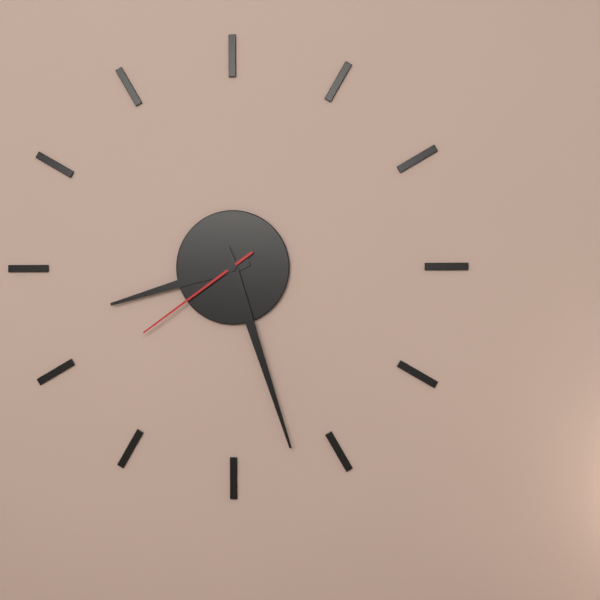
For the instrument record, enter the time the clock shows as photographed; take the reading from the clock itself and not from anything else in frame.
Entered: 8:27:39
